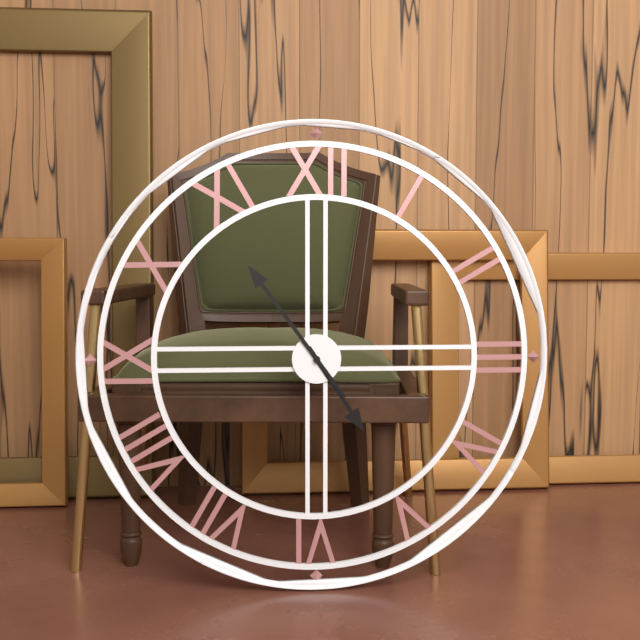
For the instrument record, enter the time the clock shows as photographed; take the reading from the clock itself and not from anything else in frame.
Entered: 4:54
